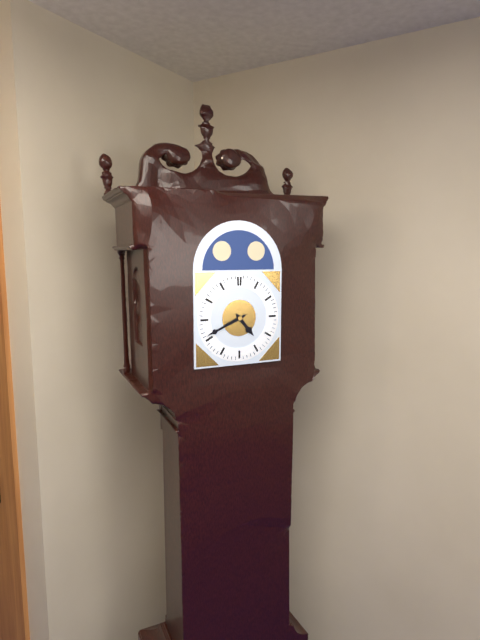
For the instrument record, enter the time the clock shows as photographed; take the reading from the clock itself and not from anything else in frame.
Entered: 4:41
